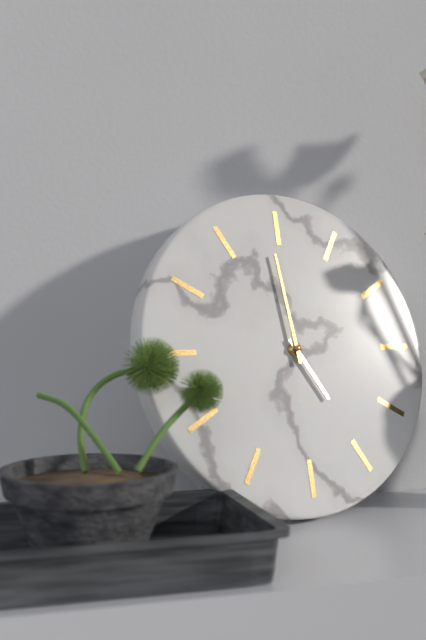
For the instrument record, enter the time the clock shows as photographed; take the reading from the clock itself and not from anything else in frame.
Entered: 4:59
